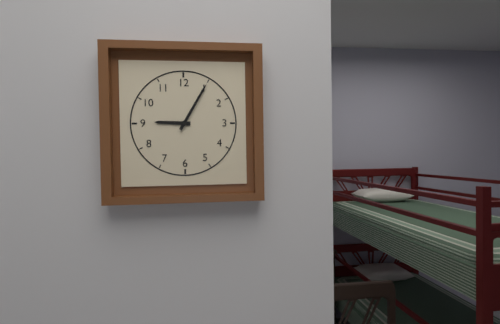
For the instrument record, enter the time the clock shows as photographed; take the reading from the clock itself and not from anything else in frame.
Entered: 9:05
